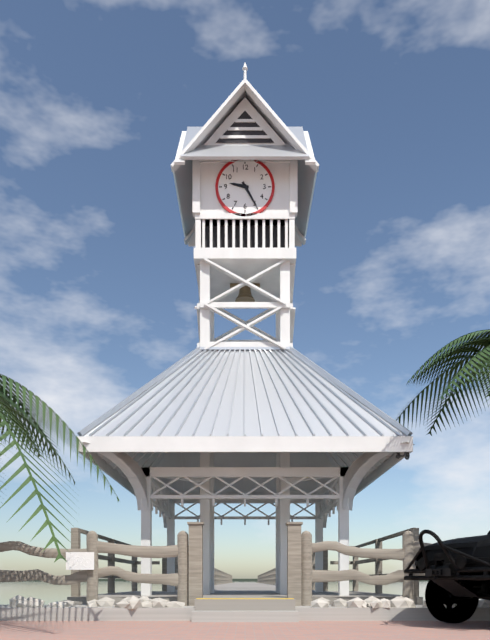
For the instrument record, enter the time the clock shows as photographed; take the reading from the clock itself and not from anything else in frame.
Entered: 9:25
